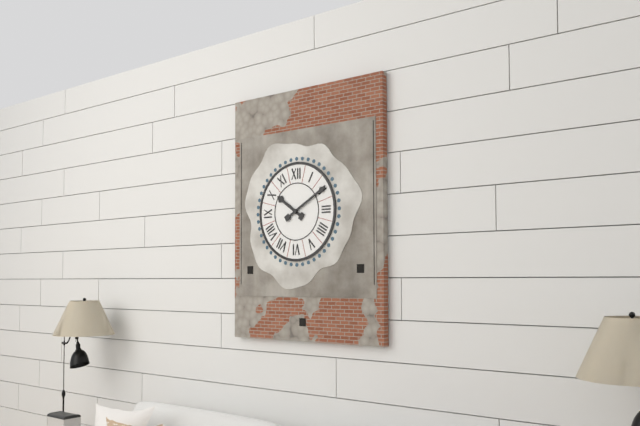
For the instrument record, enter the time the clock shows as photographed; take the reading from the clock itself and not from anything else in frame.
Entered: 10:10
